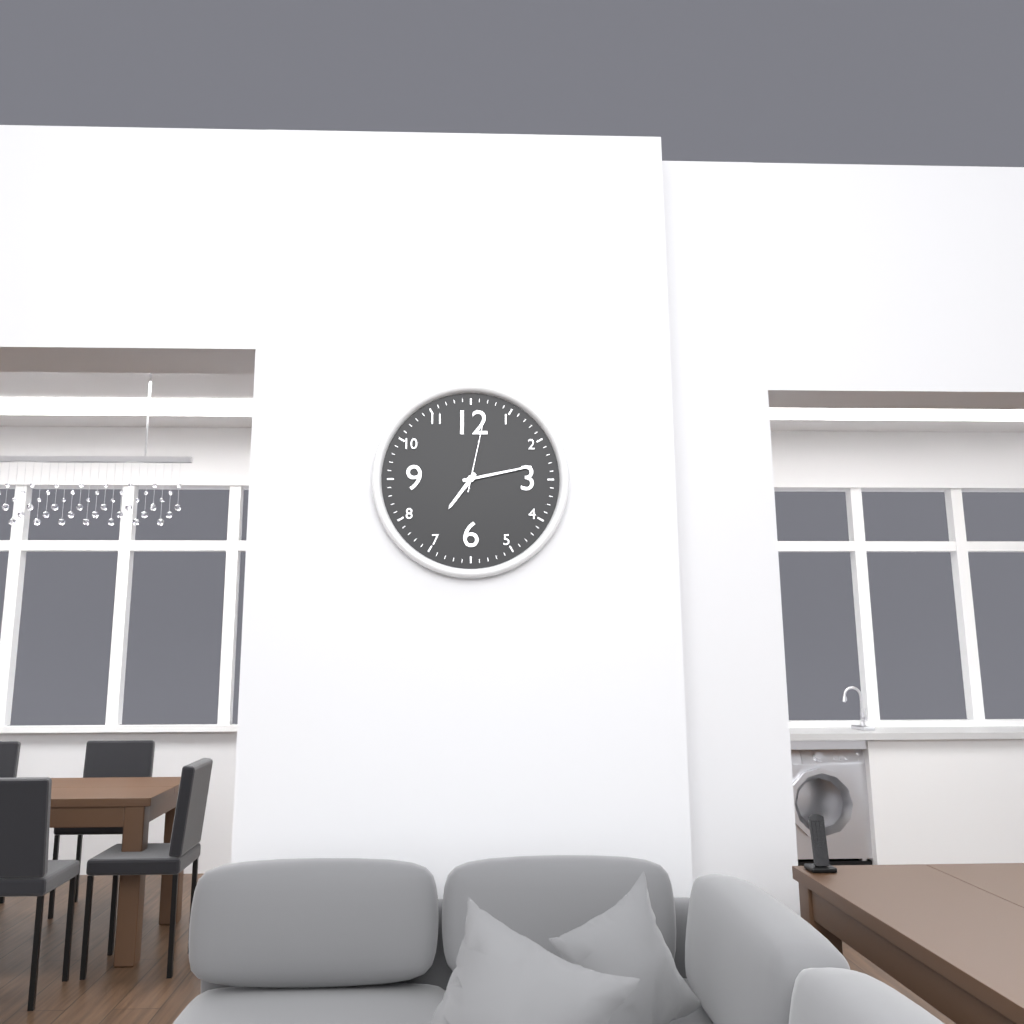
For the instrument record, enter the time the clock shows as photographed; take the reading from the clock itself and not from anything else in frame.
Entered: 7:13:02
